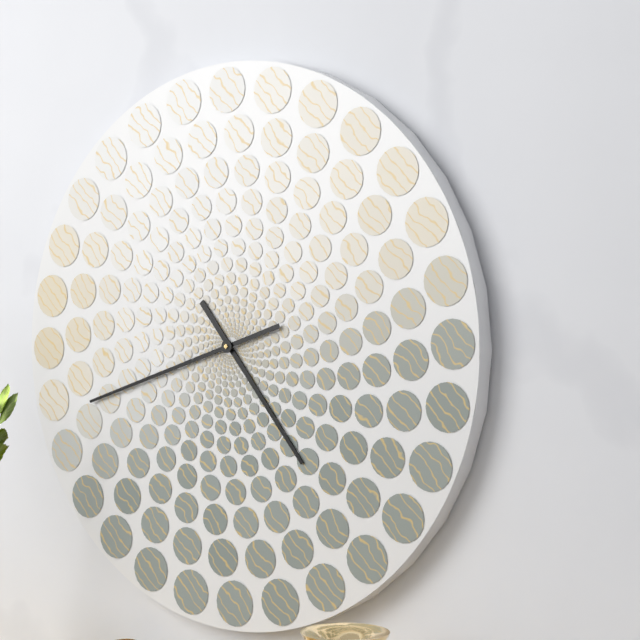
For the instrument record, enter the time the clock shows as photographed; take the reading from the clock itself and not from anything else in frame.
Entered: 4:42
